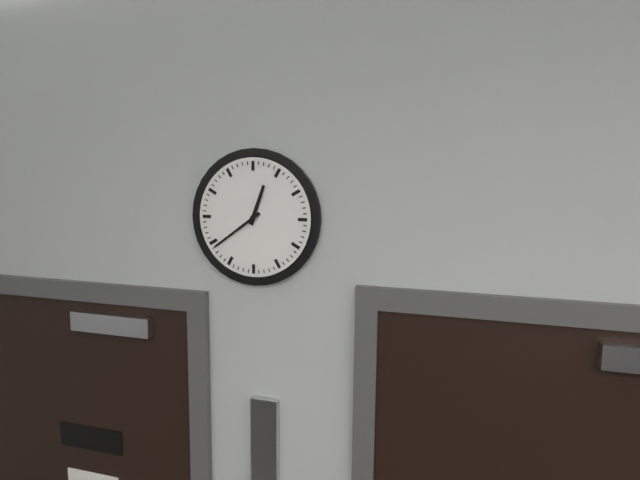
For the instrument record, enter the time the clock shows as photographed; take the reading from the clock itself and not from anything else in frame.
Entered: 12:39
